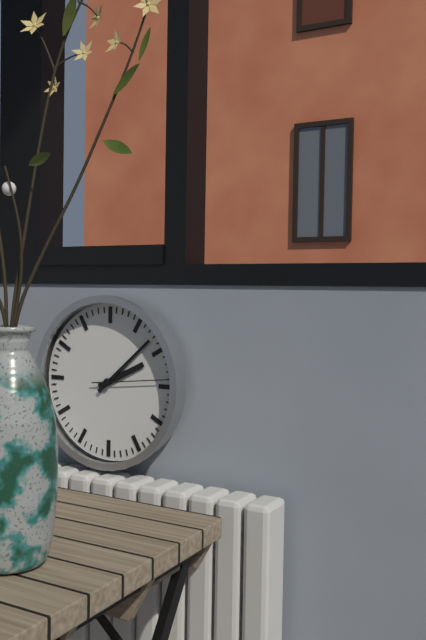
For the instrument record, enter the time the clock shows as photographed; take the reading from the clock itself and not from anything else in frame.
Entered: 2:08:14
